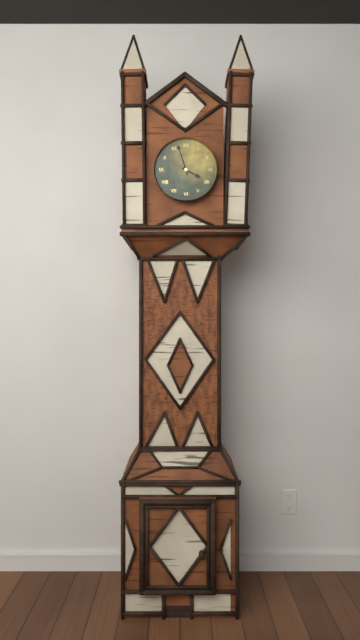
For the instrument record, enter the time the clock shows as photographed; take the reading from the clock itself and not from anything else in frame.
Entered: 3:57
